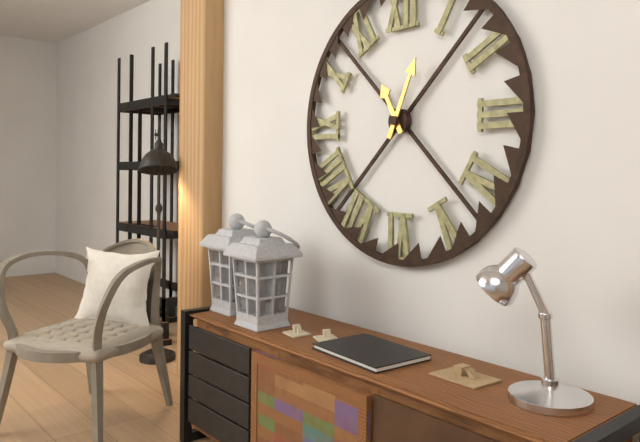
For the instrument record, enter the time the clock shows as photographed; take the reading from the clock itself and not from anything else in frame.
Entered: 11:04
